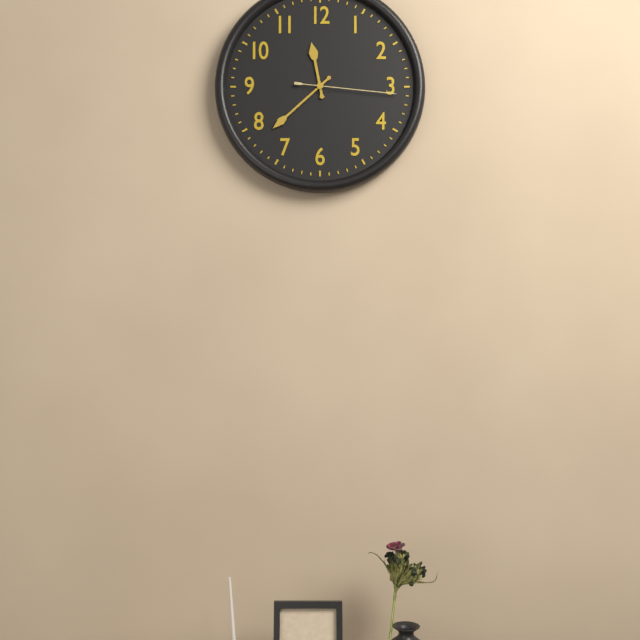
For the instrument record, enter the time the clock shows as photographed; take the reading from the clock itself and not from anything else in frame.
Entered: 11:38:16
